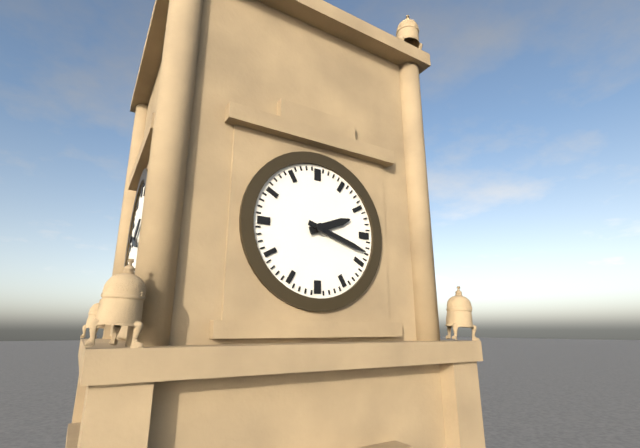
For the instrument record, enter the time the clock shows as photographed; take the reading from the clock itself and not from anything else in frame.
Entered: 2:18
